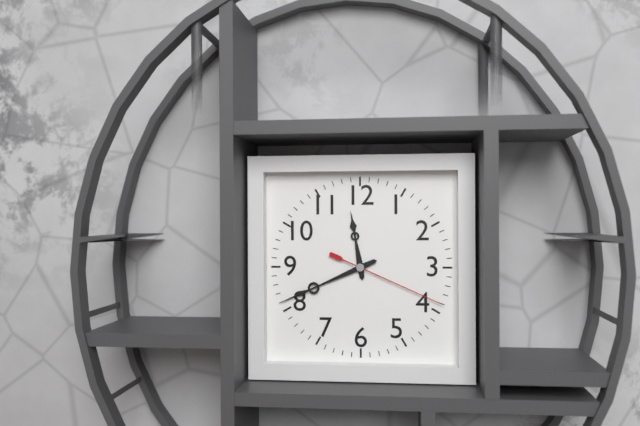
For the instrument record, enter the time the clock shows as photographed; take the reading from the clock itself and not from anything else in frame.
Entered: 11:41:19
